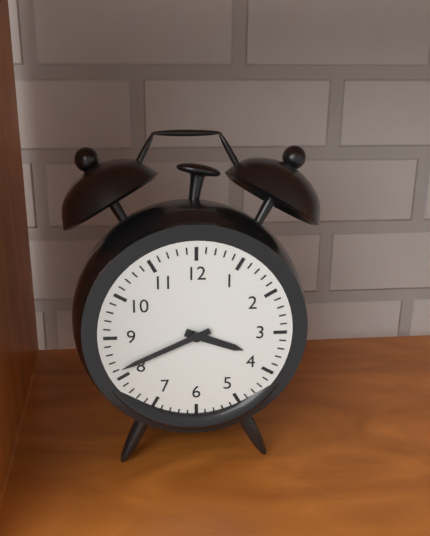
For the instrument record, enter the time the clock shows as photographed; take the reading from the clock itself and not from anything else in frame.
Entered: 3:41
